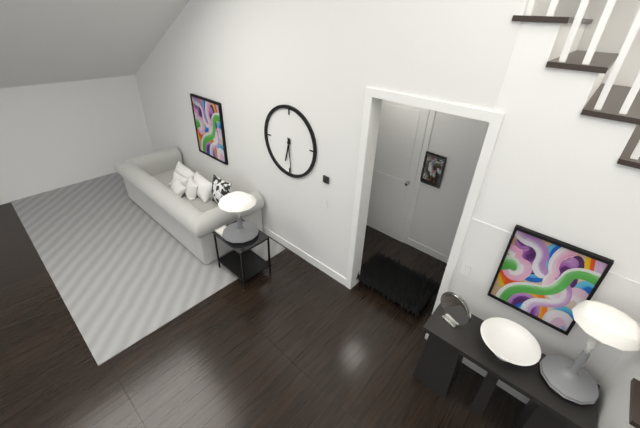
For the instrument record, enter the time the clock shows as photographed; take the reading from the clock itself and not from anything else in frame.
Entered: 6:29
